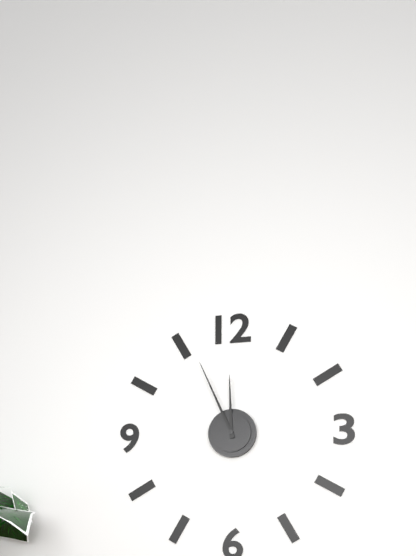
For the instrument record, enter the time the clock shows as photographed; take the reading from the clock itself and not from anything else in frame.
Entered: 11:56
